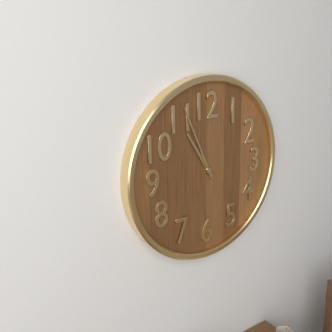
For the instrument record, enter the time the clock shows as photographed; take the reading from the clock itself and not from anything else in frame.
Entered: 10:56
